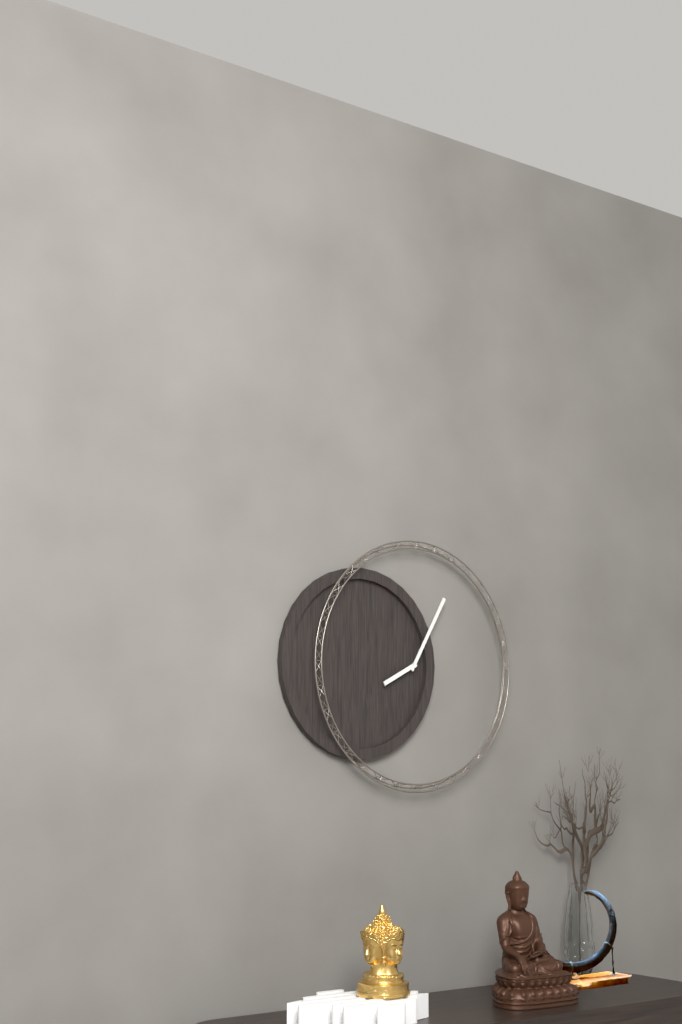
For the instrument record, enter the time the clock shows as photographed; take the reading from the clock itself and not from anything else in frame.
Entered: 8:05
